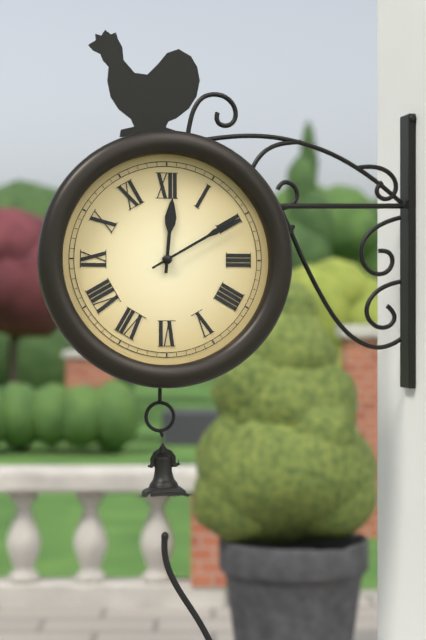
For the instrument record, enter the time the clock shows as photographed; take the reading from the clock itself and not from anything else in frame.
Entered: 12:10
